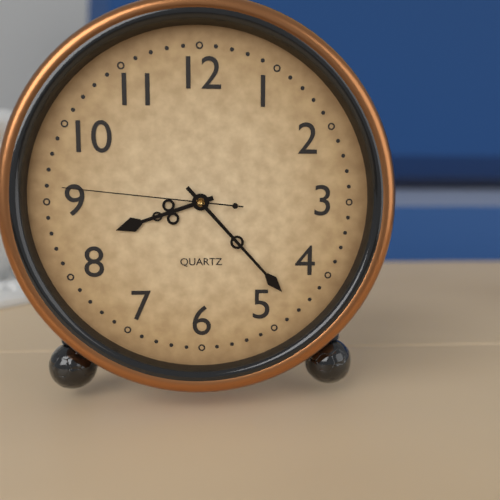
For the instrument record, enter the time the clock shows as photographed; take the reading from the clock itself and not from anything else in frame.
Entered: 8:23:46
